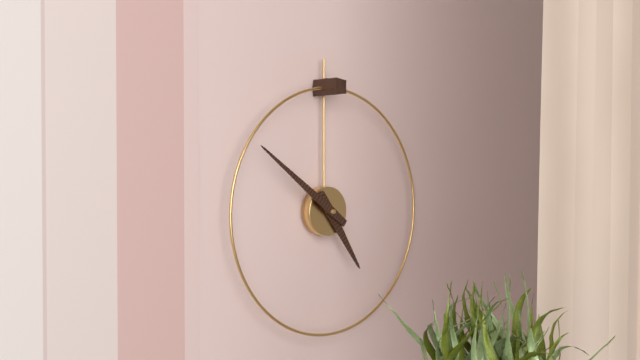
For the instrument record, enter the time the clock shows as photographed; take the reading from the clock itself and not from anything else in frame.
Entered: 4:51
